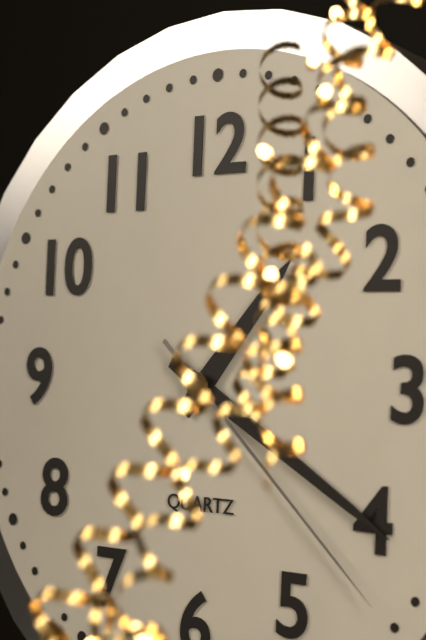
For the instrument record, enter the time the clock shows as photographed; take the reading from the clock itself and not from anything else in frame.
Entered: 1:20:22
